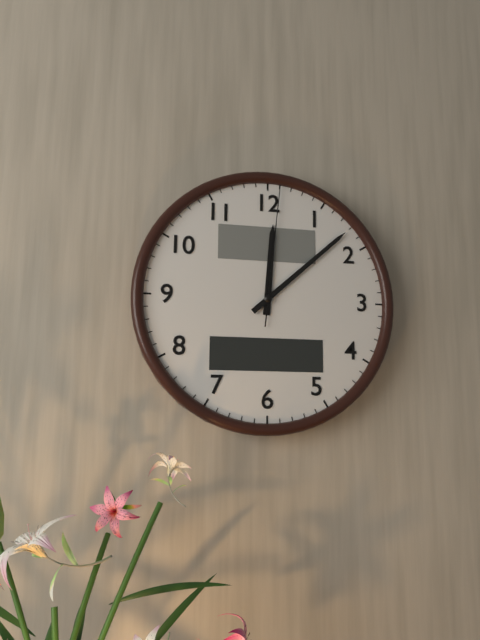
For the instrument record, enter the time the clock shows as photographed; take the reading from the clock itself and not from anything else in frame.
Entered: 12:08:01
